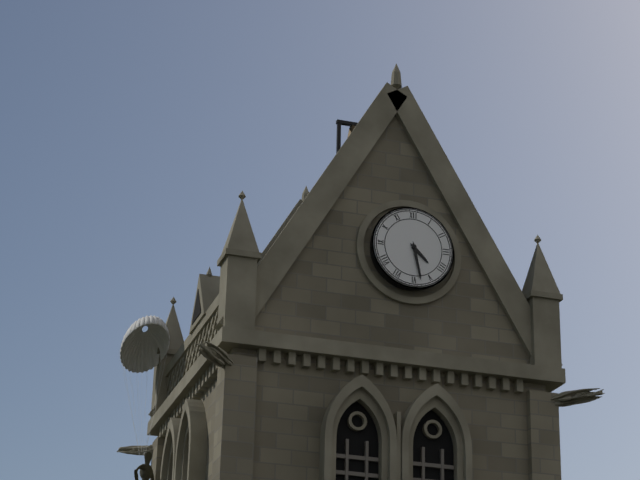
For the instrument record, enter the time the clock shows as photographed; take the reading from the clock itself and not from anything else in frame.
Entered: 4:28
